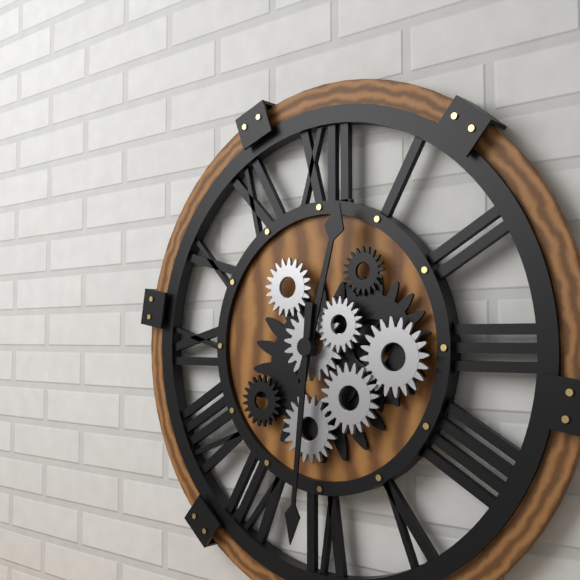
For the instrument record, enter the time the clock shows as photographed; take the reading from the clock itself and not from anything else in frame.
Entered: 12:31
